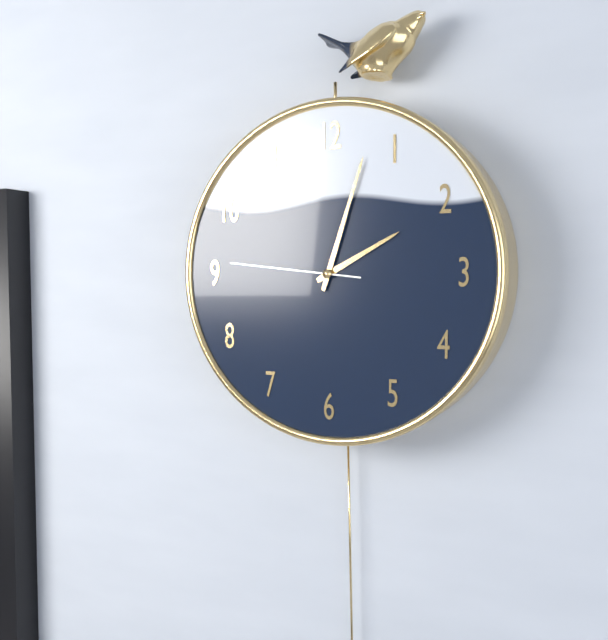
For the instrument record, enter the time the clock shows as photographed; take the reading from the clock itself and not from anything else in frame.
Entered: 2:03:46
